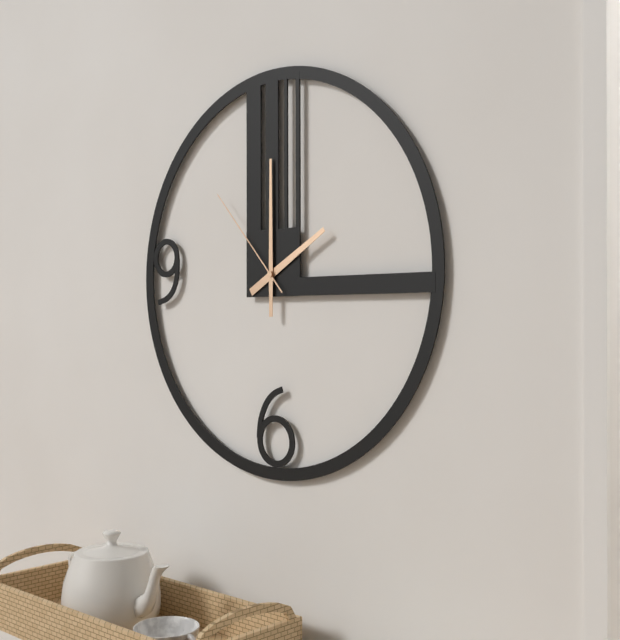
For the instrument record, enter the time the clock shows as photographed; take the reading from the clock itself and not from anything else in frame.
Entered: 2:00:53
